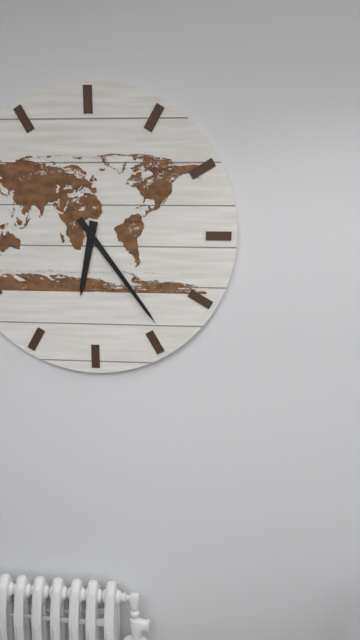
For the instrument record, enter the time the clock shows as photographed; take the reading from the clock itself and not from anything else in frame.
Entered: 6:24
